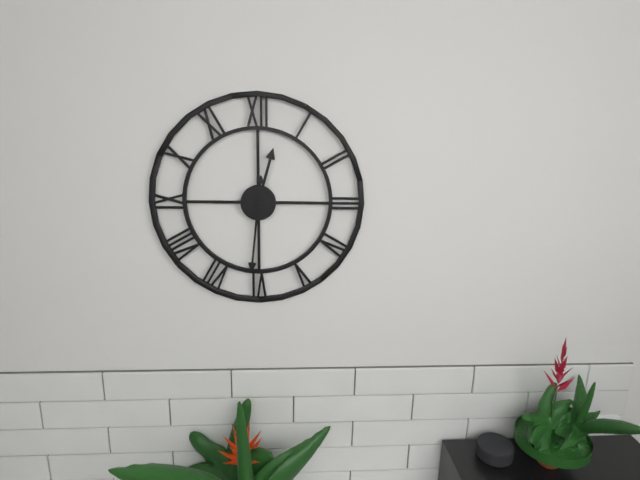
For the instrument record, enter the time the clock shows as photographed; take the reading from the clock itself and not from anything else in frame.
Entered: 12:31
